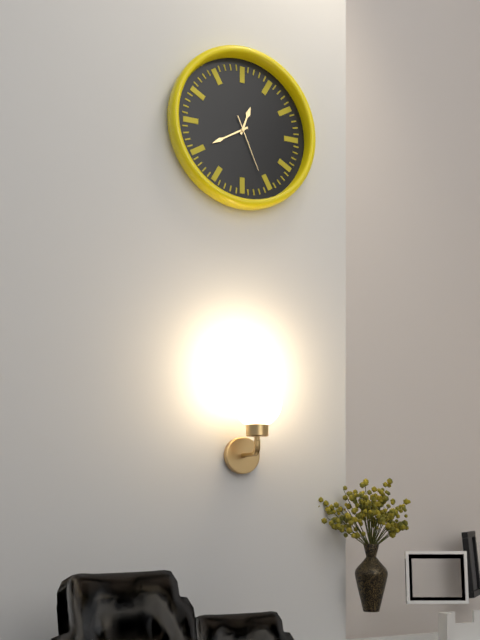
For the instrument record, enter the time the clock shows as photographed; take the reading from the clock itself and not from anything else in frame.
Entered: 12:40:26
